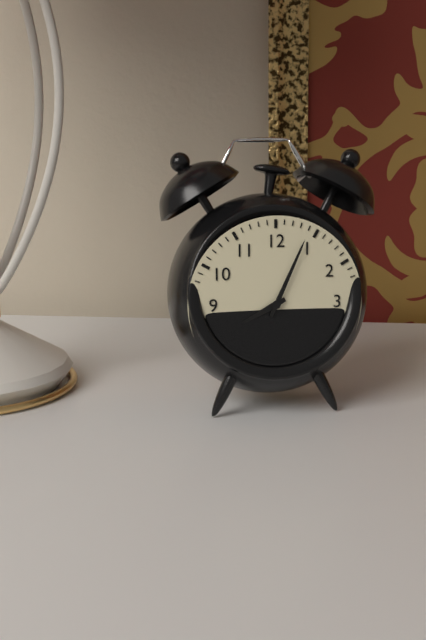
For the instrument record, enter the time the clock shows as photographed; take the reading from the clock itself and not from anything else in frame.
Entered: 8:04
